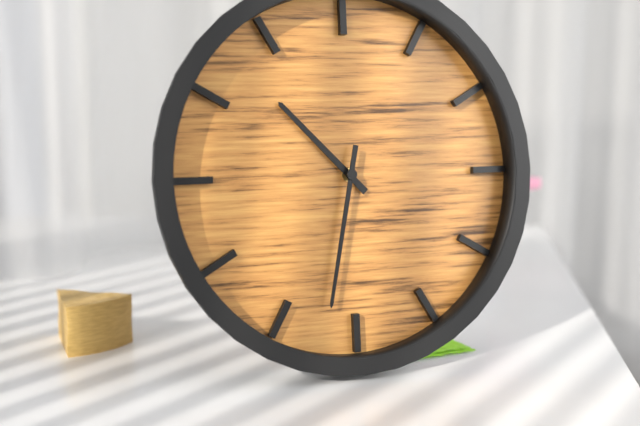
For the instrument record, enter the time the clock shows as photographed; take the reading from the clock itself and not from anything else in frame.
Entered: 10:32
